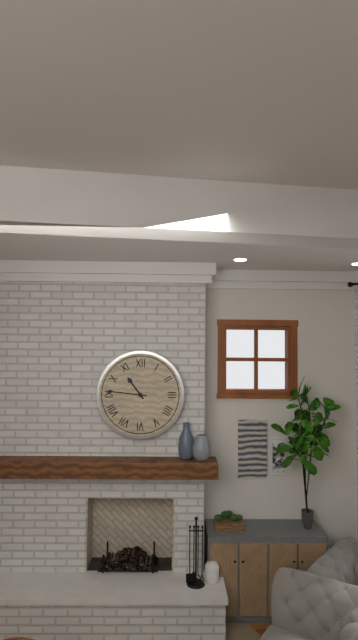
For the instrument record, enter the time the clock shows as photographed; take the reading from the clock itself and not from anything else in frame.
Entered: 10:46
